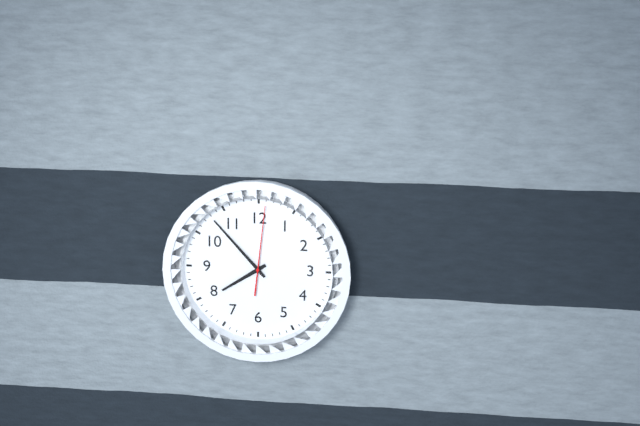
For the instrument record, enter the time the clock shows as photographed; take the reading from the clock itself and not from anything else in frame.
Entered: 7:53:01
